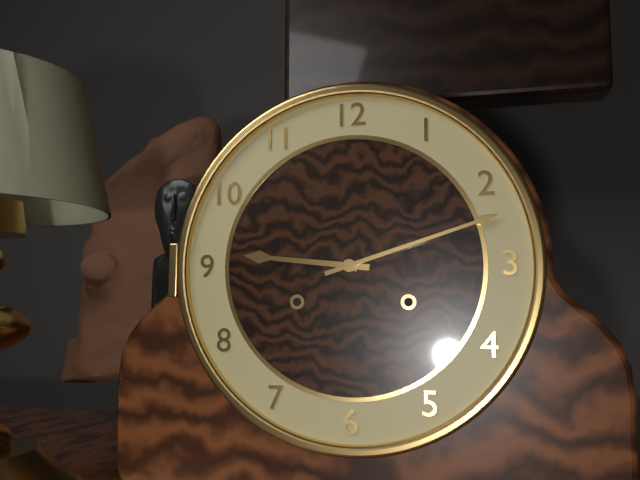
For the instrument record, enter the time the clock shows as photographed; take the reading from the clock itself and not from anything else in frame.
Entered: 9:12
